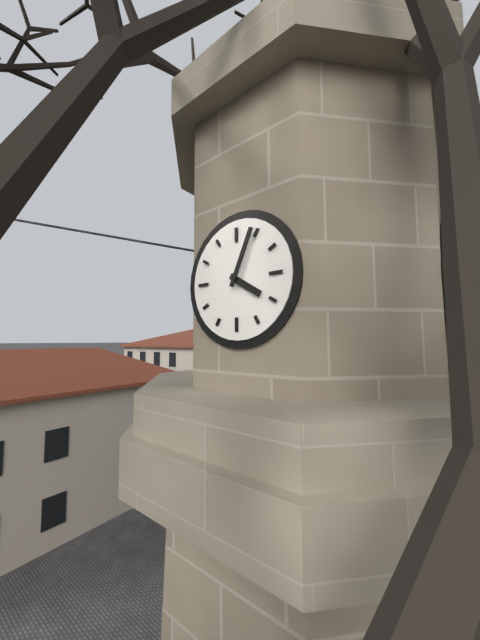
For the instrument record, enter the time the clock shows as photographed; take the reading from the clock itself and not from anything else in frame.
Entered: 4:04
